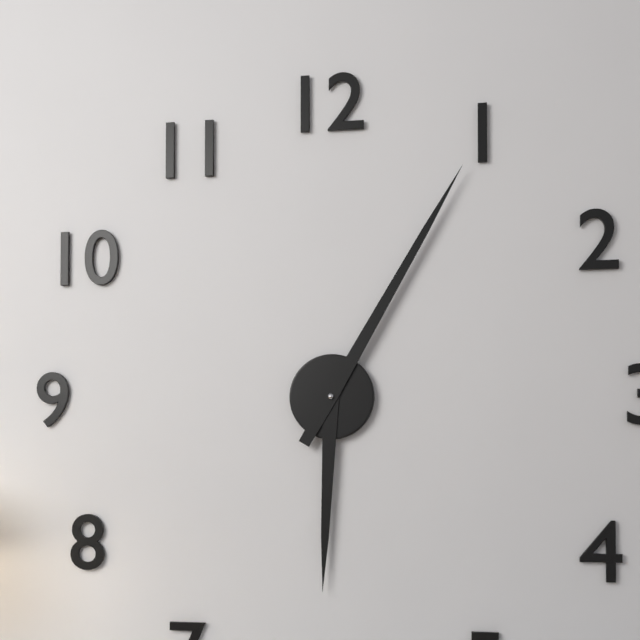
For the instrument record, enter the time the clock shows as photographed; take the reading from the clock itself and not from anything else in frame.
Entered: 6:05
